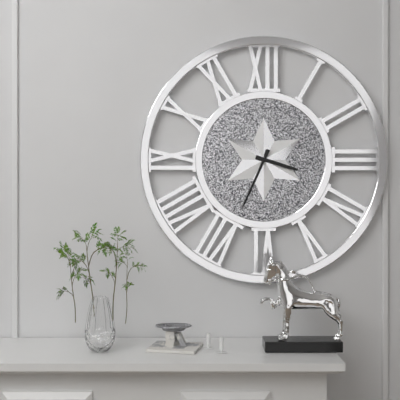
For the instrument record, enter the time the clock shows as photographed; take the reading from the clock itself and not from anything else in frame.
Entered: 3:34
